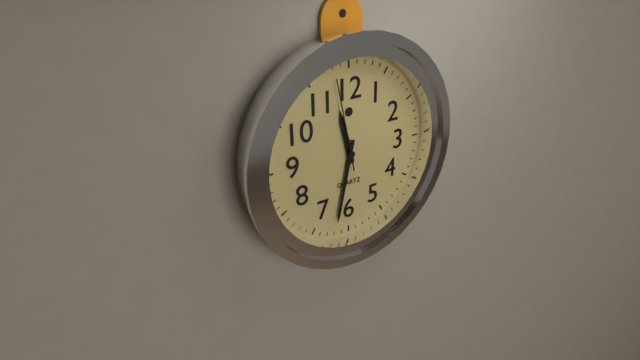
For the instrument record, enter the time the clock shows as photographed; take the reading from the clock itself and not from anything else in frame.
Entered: 11:32:58
